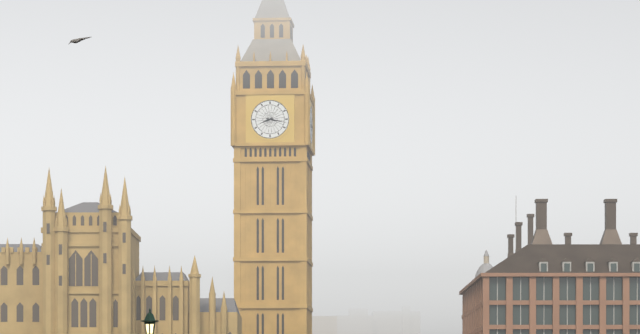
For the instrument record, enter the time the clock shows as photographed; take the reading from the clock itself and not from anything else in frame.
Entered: 8:17
